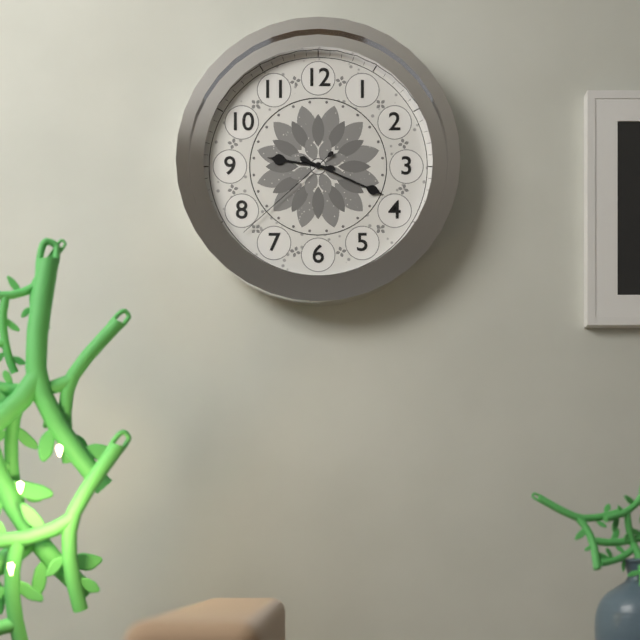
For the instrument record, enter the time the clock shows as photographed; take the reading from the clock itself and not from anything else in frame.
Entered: 9:19:38
